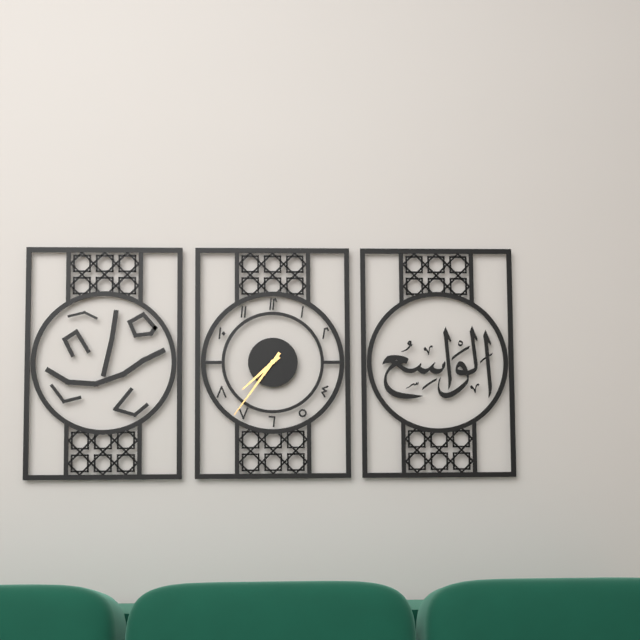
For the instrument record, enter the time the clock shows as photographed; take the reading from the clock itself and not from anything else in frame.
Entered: 7:36
